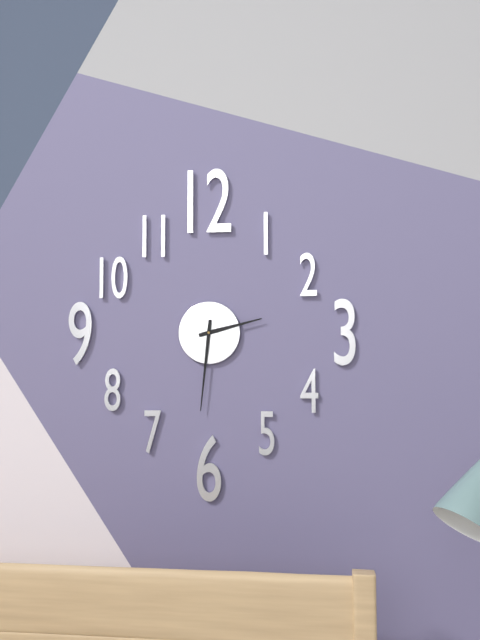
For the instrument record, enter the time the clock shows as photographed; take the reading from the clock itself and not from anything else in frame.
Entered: 2:31
